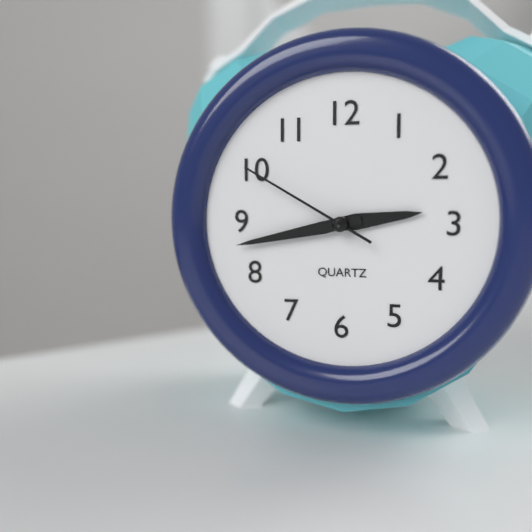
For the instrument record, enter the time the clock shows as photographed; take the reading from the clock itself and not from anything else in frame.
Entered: 2:43:50
